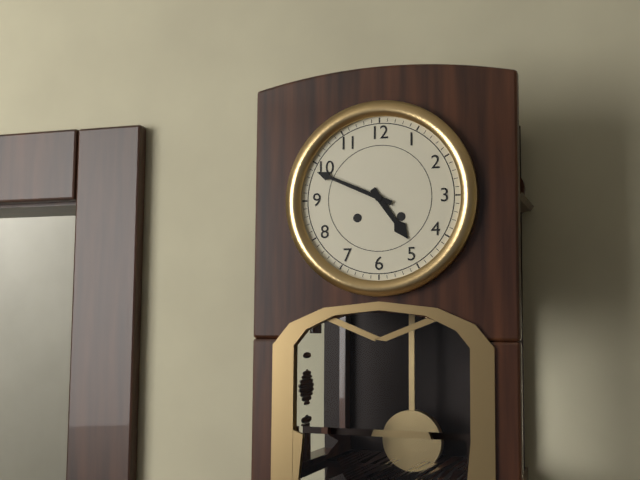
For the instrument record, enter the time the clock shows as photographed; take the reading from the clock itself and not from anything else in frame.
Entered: 4:49
